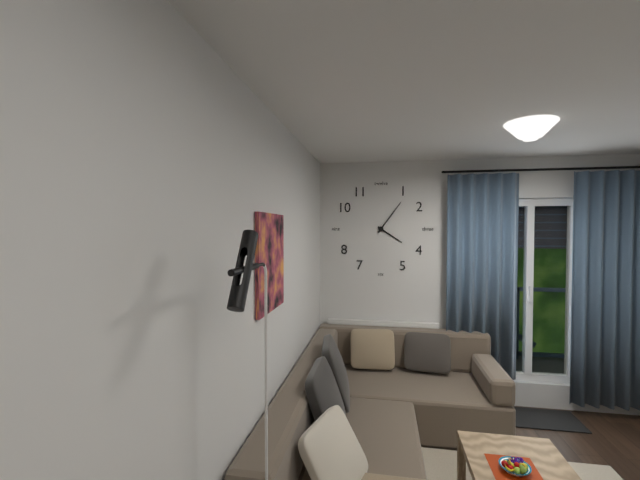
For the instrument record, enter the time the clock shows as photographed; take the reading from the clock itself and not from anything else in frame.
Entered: 4:06
